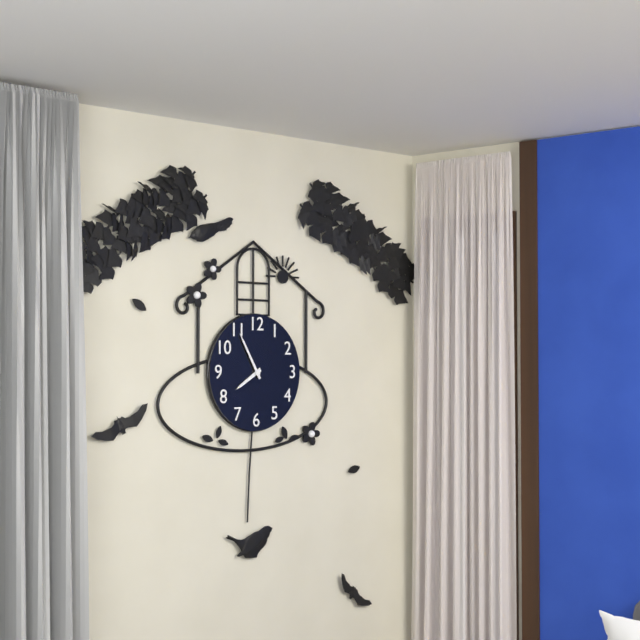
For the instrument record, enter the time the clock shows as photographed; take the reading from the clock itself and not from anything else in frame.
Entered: 7:55
